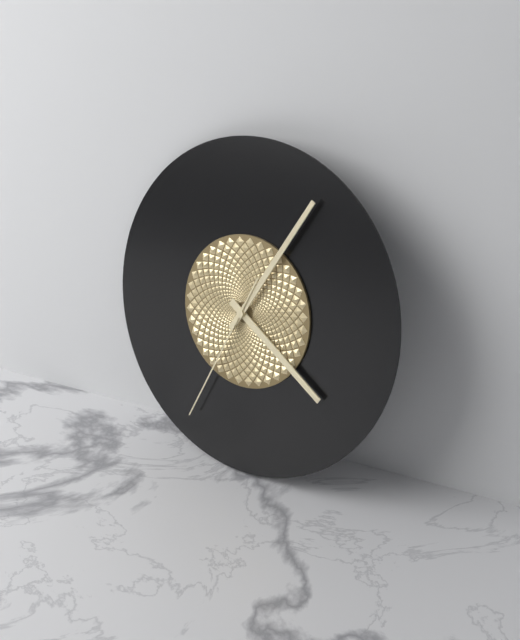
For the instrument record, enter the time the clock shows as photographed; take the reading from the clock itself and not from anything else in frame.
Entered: 4:05:34
